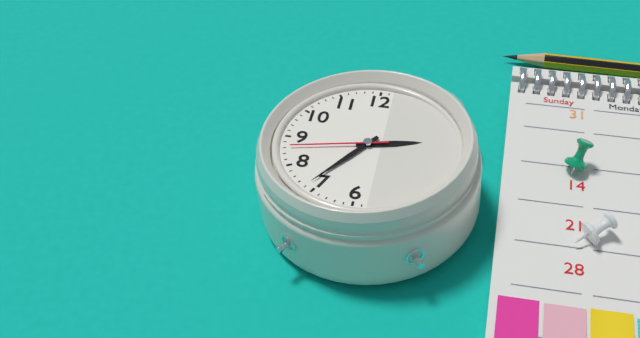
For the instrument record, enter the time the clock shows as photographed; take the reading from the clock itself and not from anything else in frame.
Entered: 2:36:43
